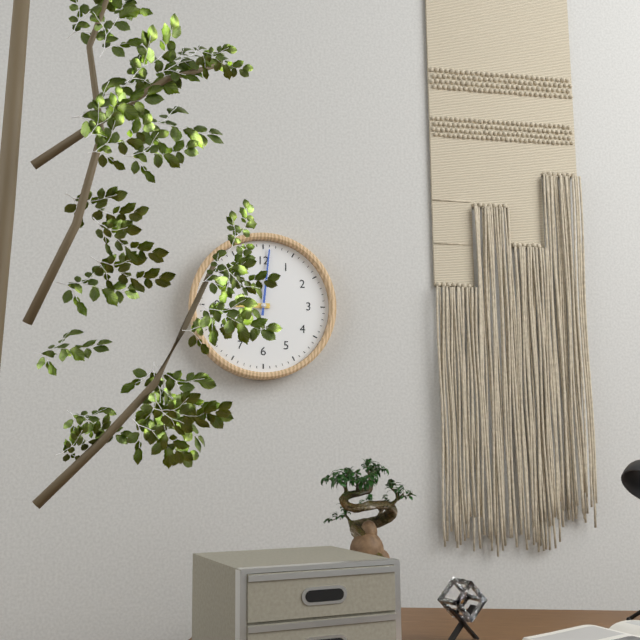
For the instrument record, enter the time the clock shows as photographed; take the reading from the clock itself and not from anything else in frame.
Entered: 9:01
